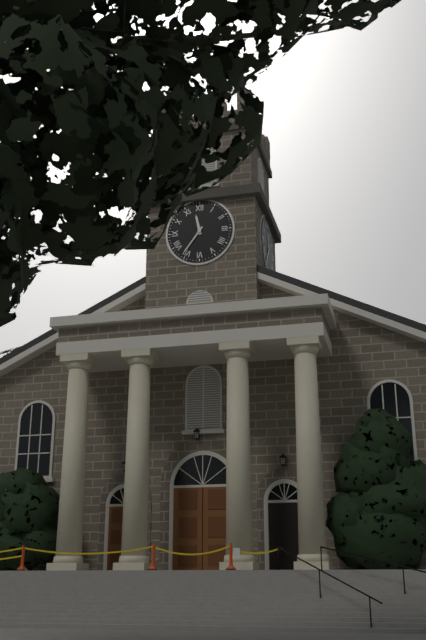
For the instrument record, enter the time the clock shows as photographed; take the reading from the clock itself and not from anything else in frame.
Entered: 11:36
